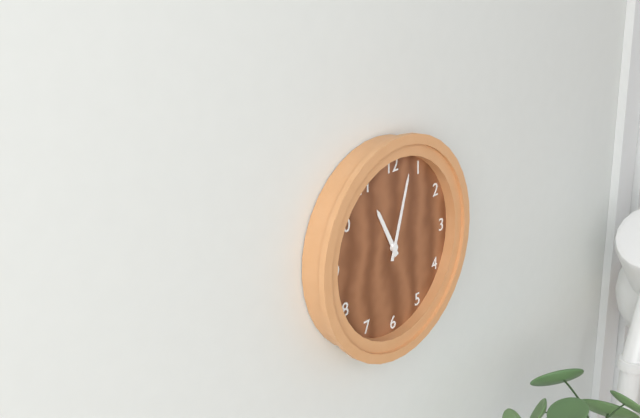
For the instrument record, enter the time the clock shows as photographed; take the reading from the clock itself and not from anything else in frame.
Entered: 11:03
